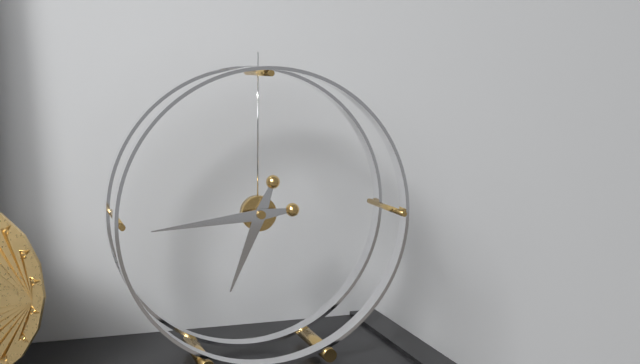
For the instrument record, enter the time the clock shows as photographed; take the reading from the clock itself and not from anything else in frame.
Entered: 6:44
